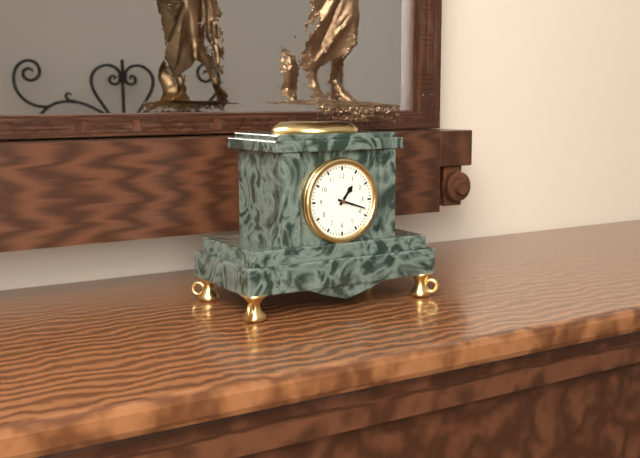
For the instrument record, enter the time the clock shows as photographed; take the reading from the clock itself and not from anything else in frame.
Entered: 1:18
